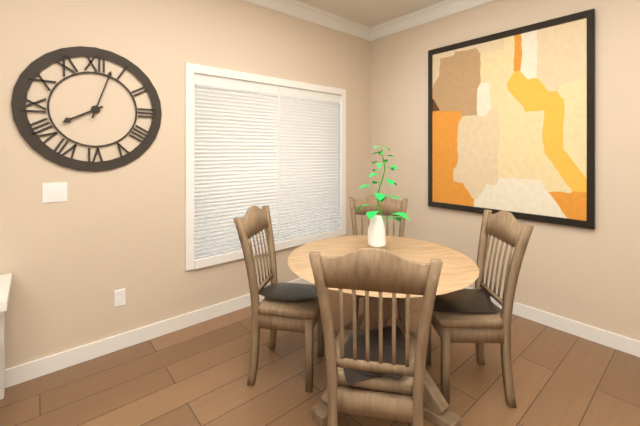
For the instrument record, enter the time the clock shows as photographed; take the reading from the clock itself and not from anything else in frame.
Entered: 8:03
